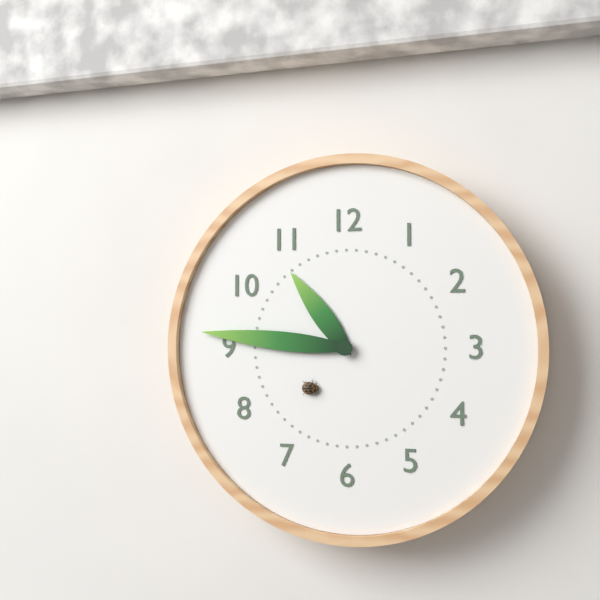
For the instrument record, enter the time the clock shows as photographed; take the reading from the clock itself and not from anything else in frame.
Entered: 10:46
